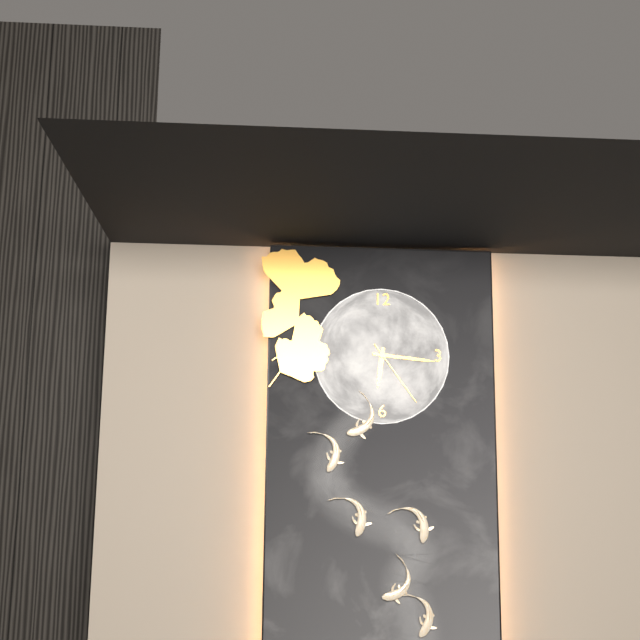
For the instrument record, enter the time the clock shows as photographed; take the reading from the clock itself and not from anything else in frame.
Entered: 6:16:24
